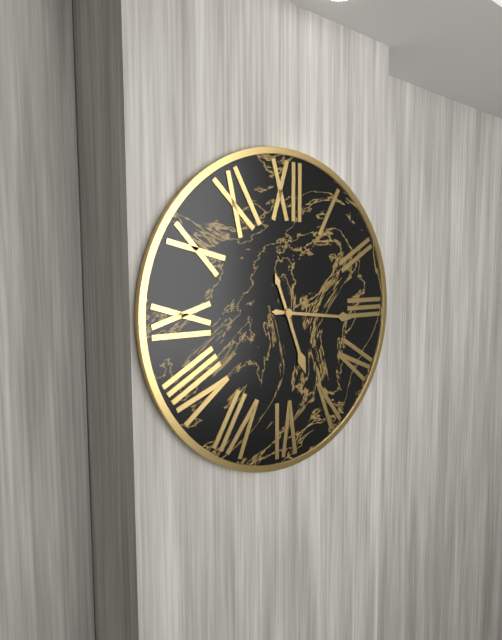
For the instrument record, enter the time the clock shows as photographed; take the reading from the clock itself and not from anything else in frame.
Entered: 5:16
